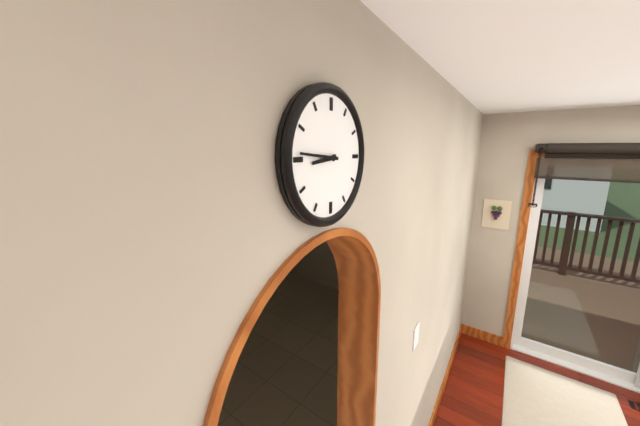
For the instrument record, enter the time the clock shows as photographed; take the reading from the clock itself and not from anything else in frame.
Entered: 8:46
